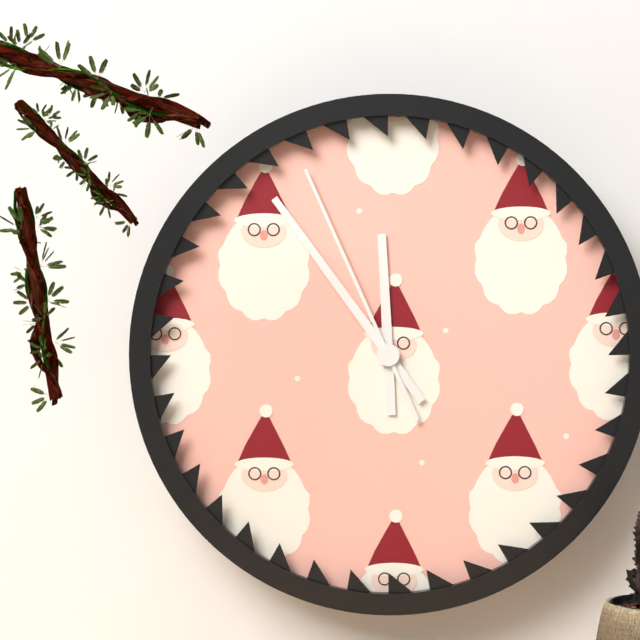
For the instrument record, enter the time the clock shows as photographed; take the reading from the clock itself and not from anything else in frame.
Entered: 11:54:56
